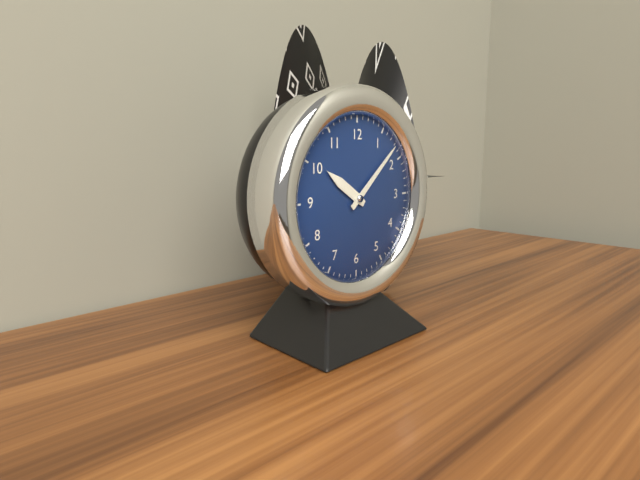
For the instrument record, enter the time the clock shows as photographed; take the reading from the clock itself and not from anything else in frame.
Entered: 10:08
